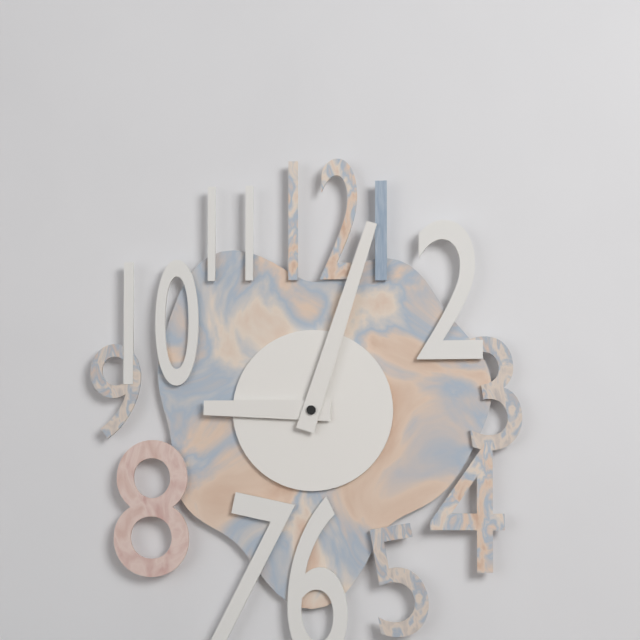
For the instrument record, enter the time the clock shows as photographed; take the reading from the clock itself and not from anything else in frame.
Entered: 9:03
